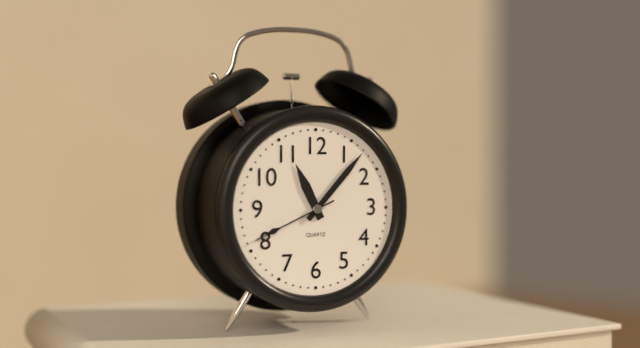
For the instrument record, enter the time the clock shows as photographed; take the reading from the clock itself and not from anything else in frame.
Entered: 11:07:41
